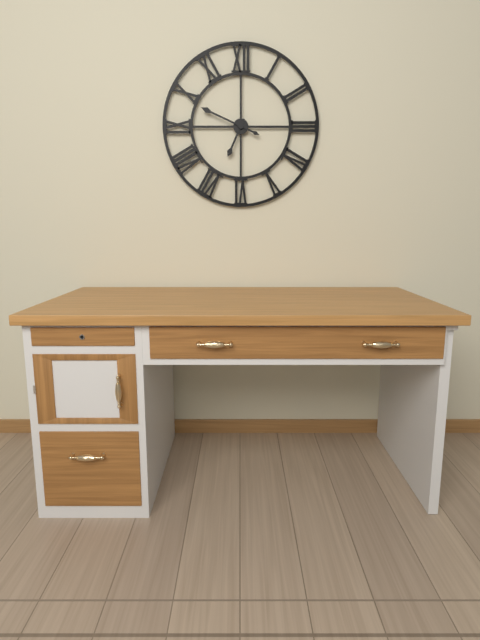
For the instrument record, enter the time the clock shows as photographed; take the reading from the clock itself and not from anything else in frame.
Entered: 6:49
